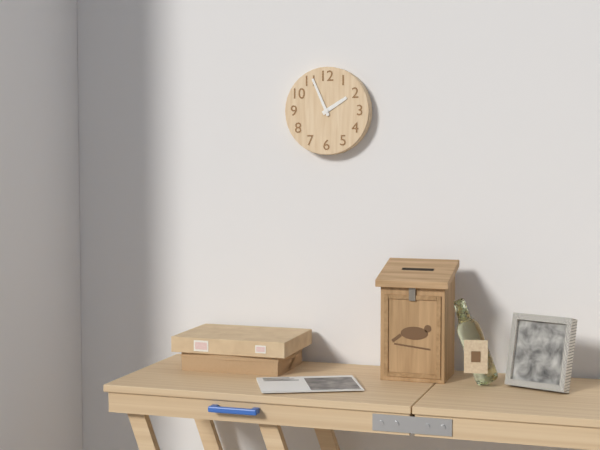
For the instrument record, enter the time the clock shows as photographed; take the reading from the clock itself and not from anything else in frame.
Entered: 1:56
